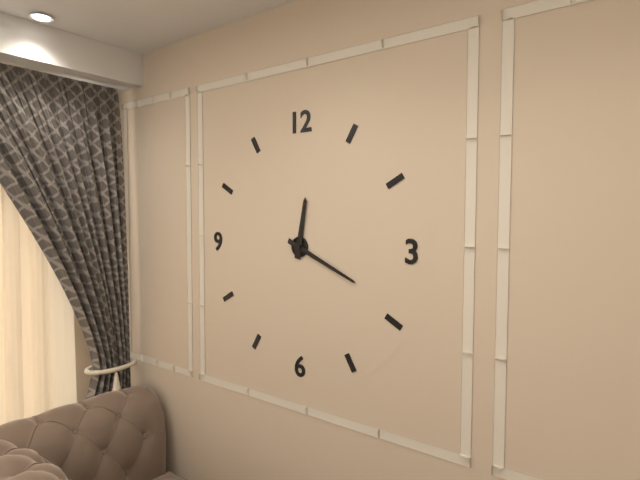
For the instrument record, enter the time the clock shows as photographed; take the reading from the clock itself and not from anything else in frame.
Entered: 12:19
